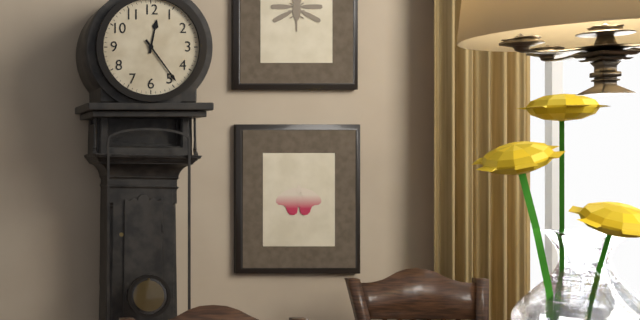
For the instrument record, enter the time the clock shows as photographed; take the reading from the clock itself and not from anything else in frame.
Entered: 12:24
